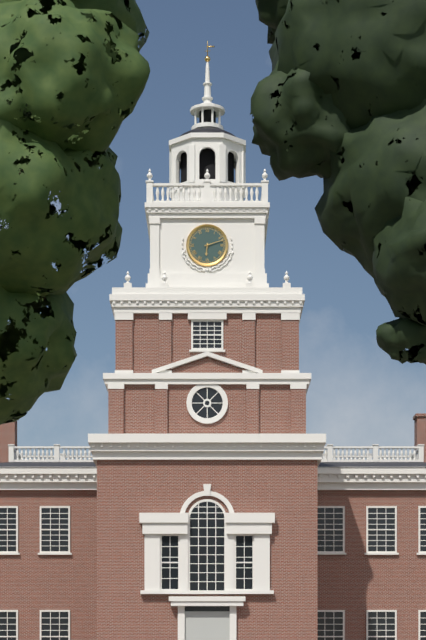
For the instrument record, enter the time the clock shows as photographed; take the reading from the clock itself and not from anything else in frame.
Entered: 6:12
